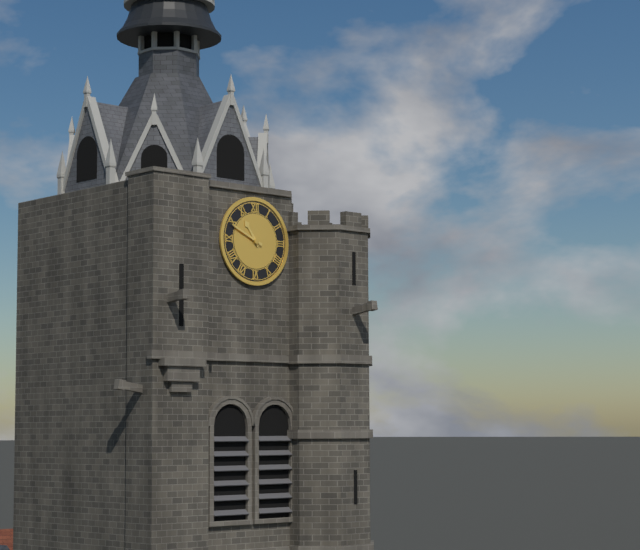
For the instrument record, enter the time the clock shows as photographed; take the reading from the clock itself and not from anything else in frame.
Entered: 10:49
